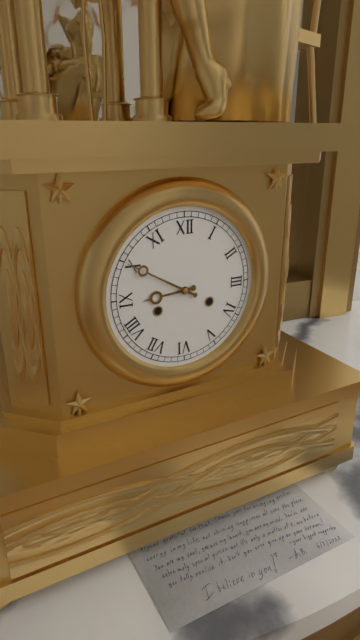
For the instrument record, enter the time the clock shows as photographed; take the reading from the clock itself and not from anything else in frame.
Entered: 8:50
